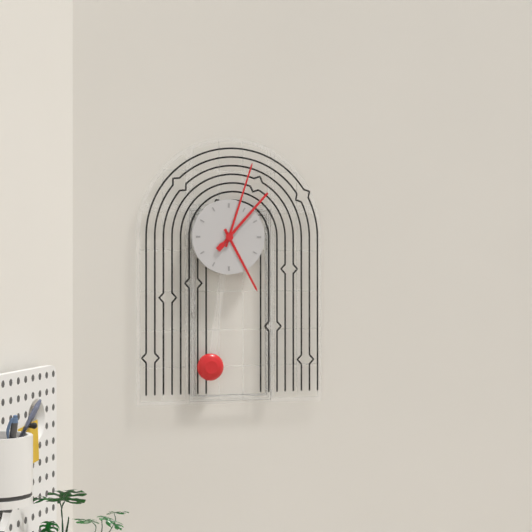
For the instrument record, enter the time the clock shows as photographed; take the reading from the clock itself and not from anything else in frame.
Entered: 5:03:07
